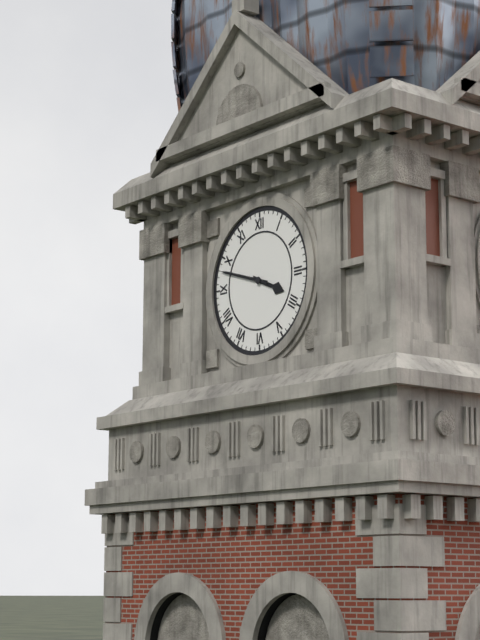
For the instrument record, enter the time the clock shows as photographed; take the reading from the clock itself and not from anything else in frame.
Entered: 3:48
